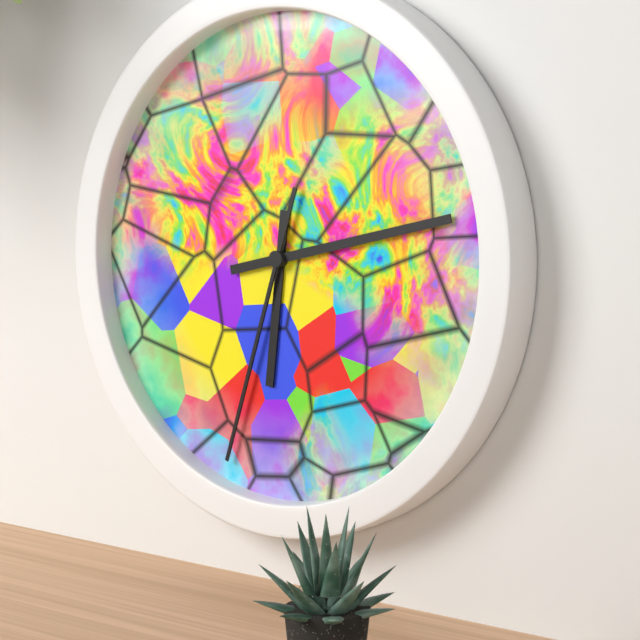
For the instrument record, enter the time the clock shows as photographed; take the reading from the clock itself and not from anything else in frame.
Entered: 6:13:33
